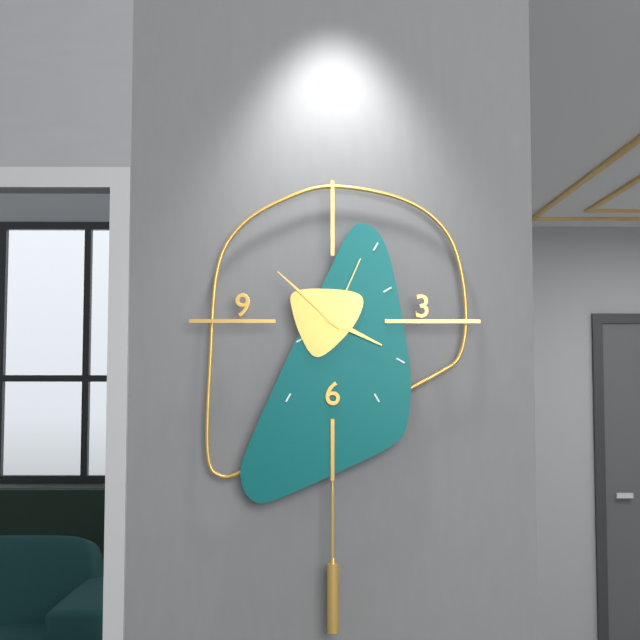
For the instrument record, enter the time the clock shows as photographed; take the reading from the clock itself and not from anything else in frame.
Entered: 3:52:04
